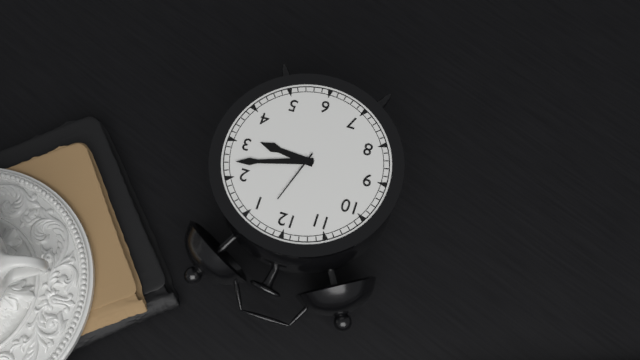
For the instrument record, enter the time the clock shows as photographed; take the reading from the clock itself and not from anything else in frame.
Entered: 3:12
